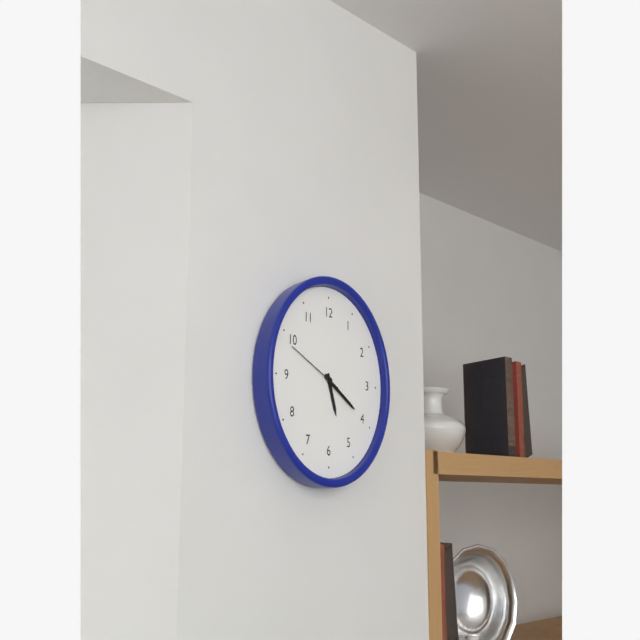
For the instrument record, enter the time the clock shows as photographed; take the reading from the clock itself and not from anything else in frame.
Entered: 5:20:49
